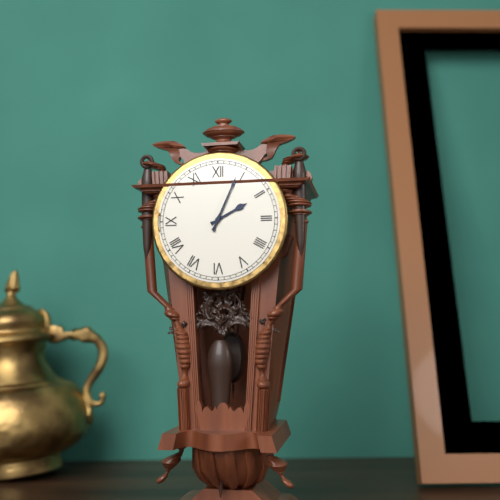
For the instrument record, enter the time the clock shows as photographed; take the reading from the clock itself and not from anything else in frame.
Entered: 2:04
